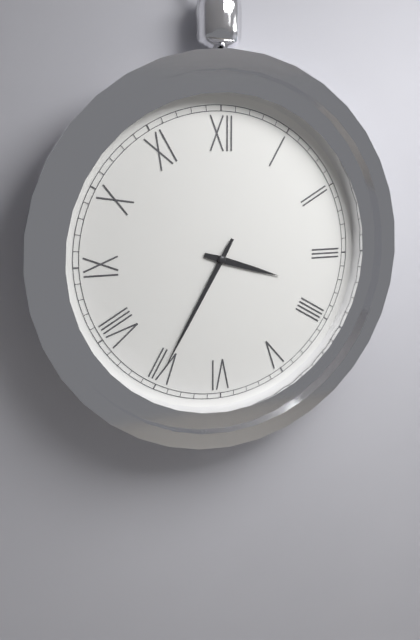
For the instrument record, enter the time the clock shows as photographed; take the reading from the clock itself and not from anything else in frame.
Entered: 3:35
